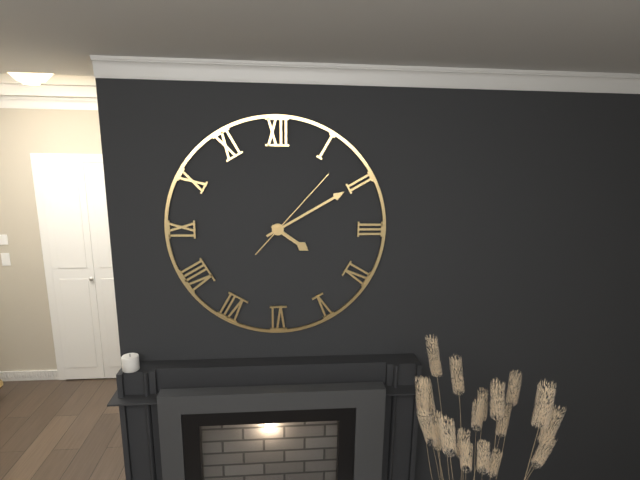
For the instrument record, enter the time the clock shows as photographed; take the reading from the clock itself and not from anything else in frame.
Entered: 4:10:07
